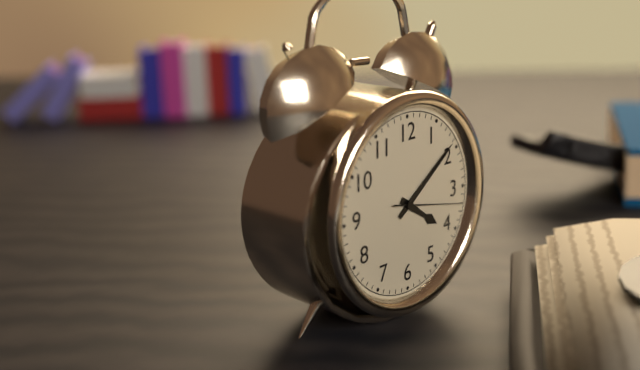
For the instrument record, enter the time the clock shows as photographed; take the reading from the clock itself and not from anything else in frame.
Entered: 4:09:17
